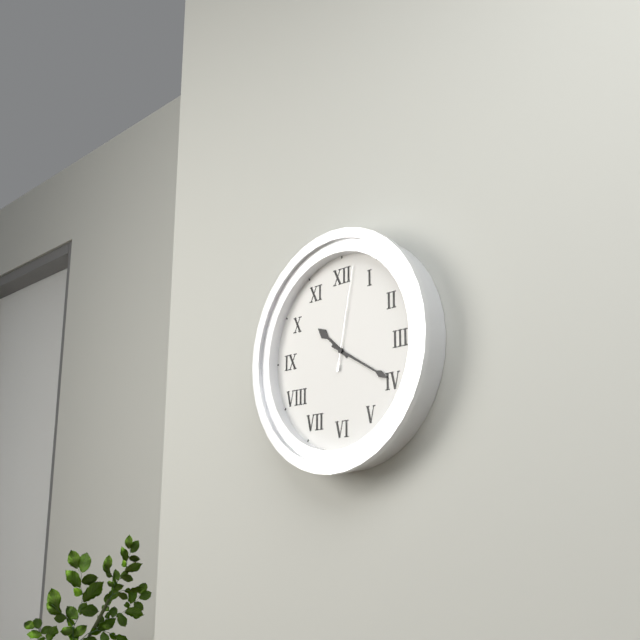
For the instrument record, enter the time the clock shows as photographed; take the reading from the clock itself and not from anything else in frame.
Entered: 10:20:02
